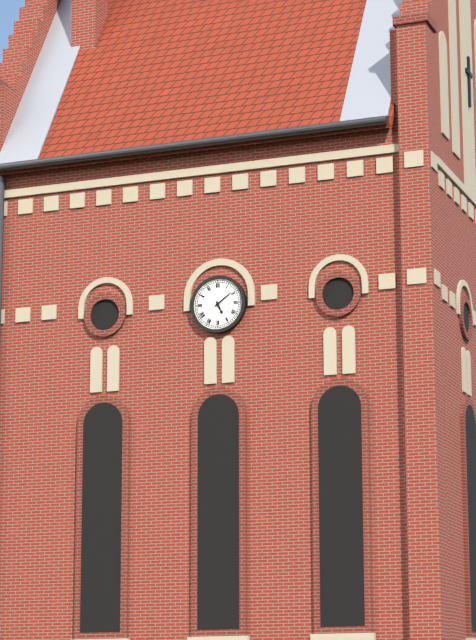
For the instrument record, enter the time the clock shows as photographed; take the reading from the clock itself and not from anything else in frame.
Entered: 5:09
